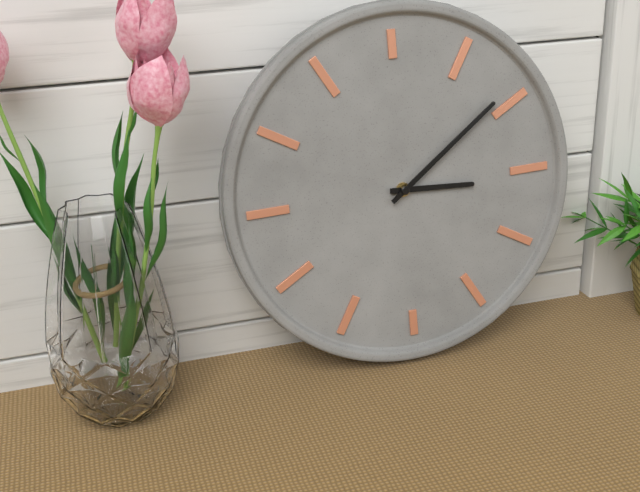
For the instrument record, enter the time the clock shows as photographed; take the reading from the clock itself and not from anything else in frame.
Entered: 3:09
